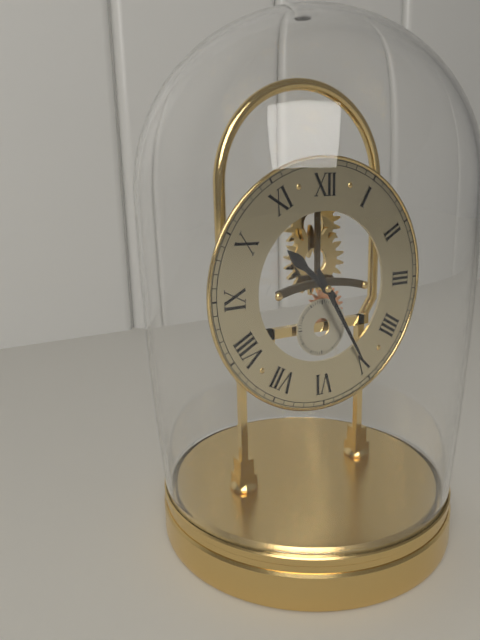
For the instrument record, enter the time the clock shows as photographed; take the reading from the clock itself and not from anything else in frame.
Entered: 10:25
